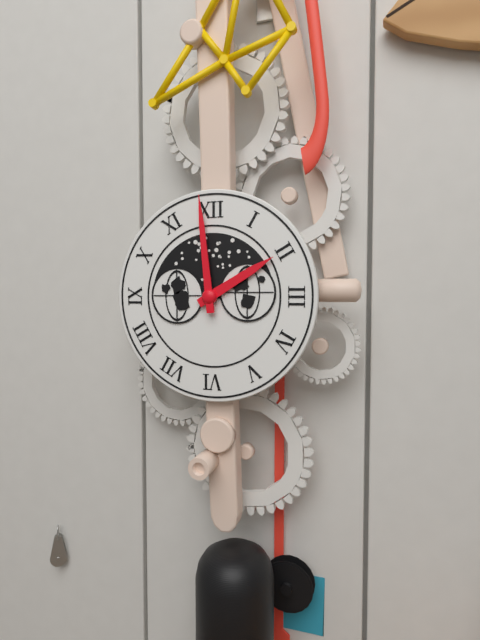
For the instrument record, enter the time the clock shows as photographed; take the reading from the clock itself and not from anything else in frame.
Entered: 1:59
